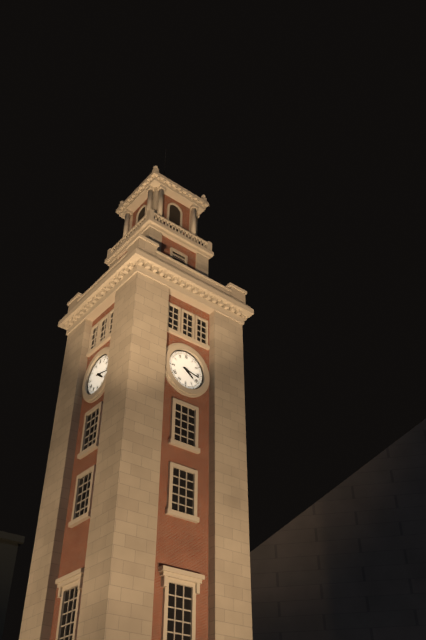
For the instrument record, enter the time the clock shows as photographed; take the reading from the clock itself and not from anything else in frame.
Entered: 4:17
